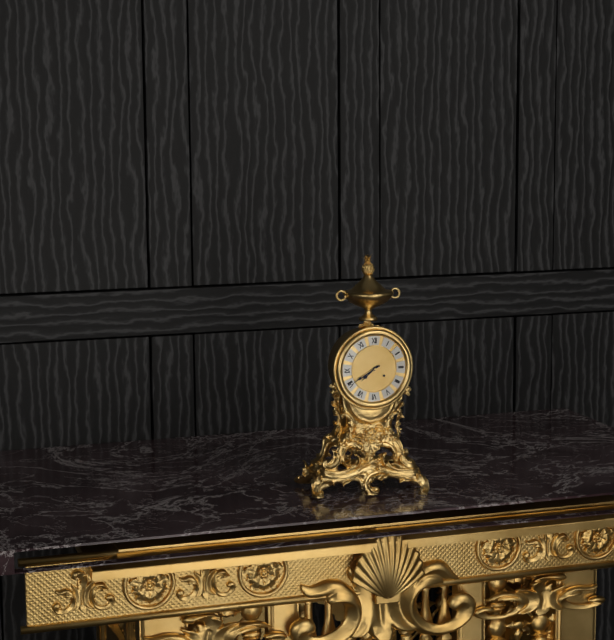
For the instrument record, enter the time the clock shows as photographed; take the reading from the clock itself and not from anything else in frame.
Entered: 7:40
